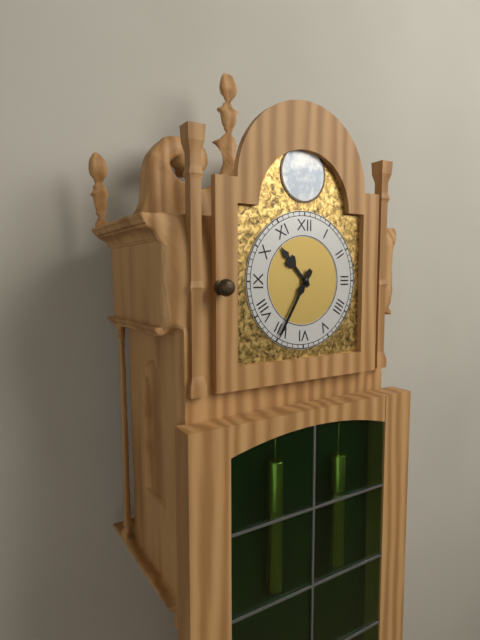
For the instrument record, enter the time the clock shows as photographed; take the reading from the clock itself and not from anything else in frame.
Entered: 10:35
